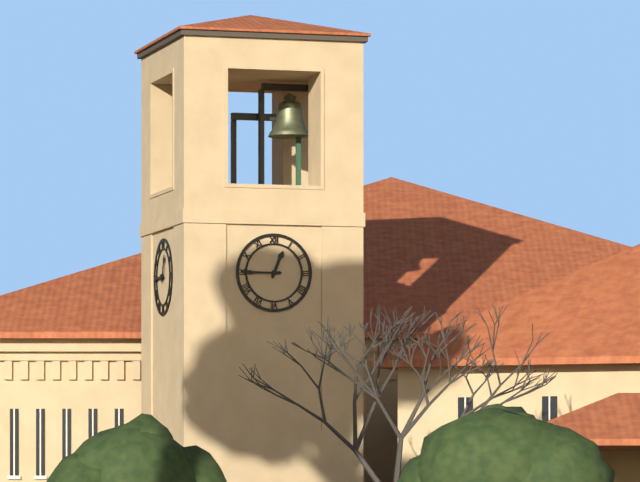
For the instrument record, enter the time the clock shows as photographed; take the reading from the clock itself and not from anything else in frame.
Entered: 12:45
